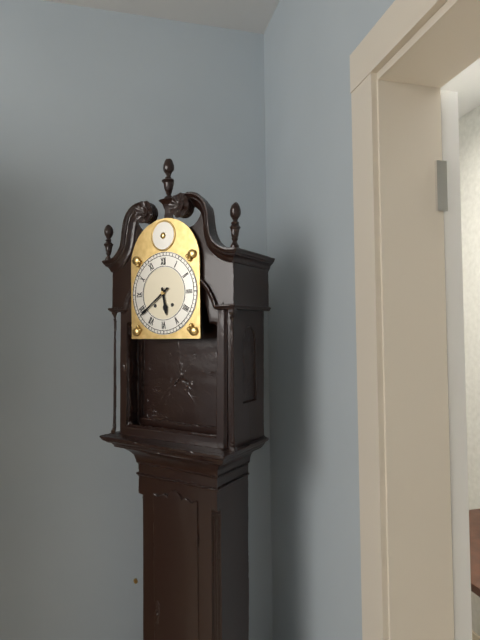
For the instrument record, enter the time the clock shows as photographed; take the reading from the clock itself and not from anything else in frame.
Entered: 5:39
